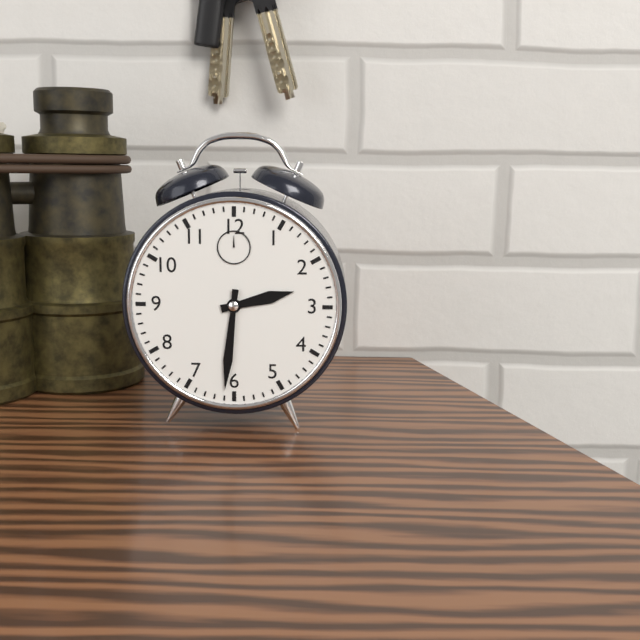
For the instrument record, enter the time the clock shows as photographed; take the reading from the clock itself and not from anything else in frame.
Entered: 2:31
